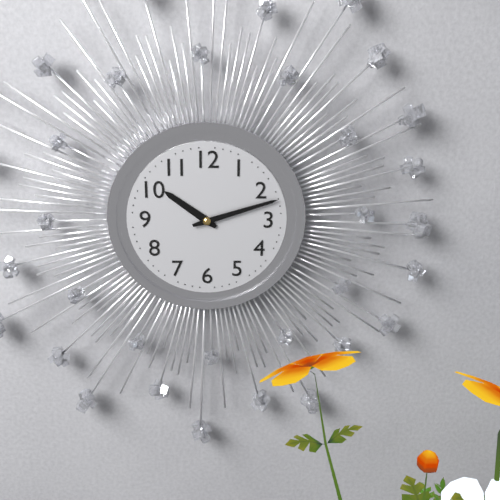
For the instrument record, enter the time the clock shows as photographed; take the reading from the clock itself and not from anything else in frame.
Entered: 10:12
